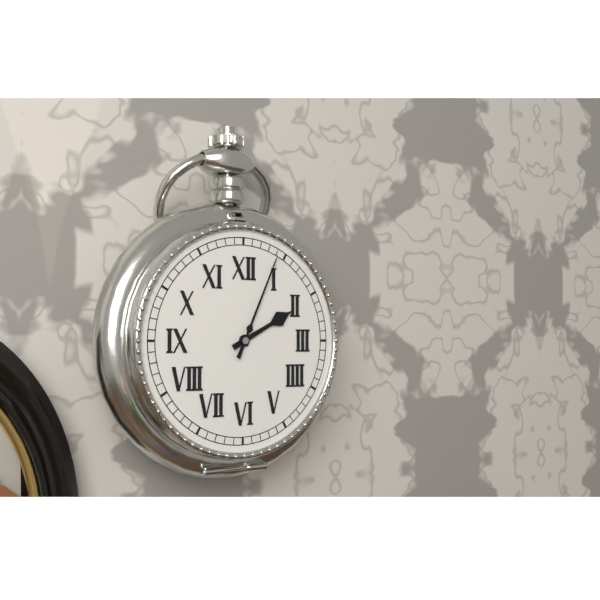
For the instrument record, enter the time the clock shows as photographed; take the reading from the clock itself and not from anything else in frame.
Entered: 2:04
